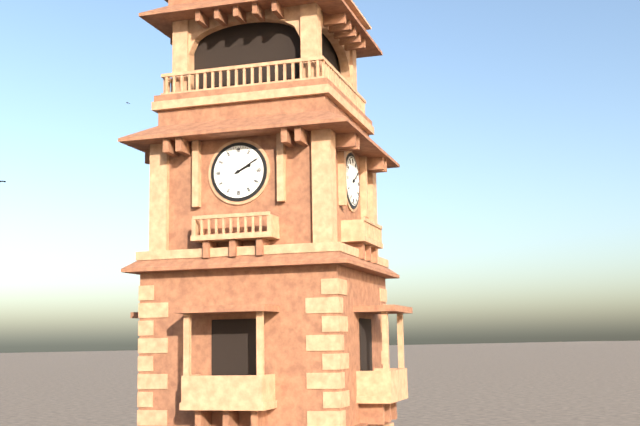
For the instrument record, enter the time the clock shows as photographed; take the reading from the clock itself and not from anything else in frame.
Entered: 2:10
